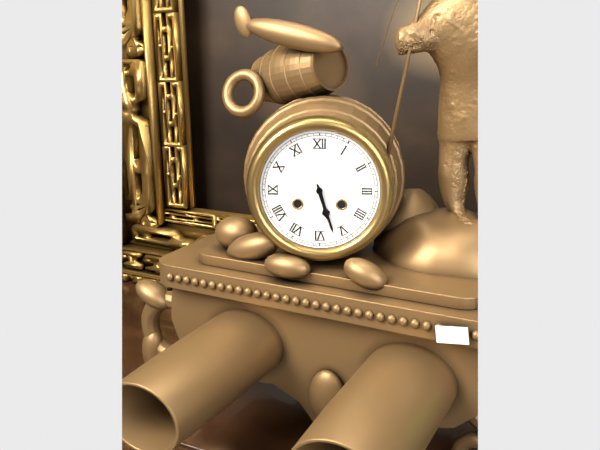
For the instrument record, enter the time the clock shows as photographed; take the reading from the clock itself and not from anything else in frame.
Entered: 5:27
